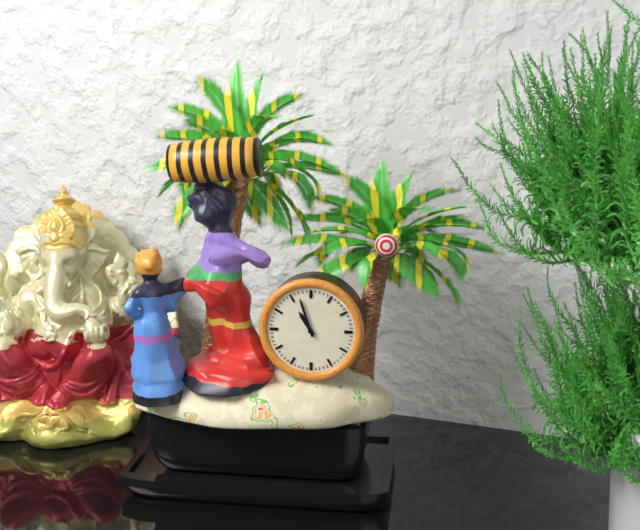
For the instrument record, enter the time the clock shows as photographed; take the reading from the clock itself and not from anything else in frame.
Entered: 10:57
